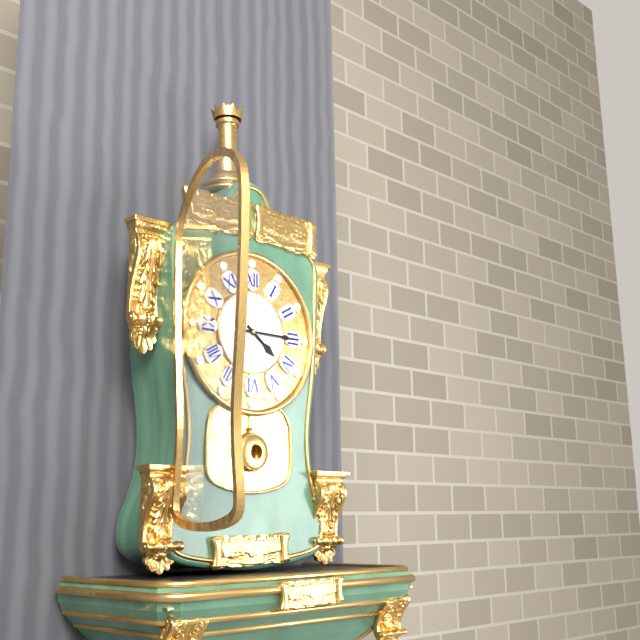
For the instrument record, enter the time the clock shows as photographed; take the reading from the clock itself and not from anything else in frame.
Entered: 4:15
